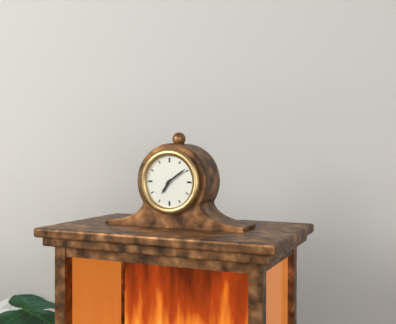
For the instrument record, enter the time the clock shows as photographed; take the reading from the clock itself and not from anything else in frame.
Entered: 7:09
